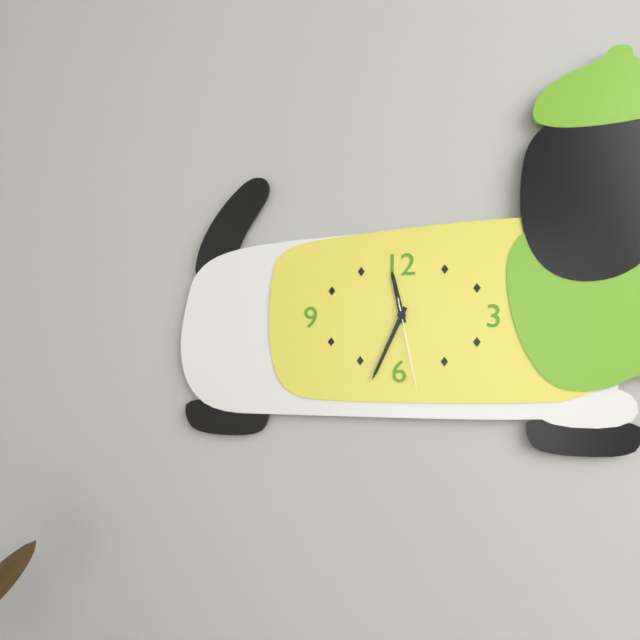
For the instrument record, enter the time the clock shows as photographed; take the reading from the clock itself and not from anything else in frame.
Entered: 11:34:28
